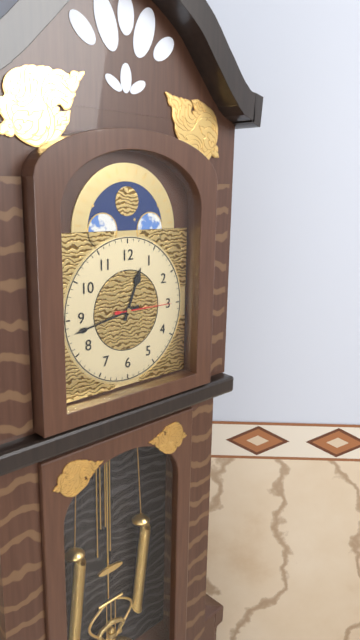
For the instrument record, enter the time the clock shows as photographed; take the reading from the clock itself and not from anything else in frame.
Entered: 12:43:15
